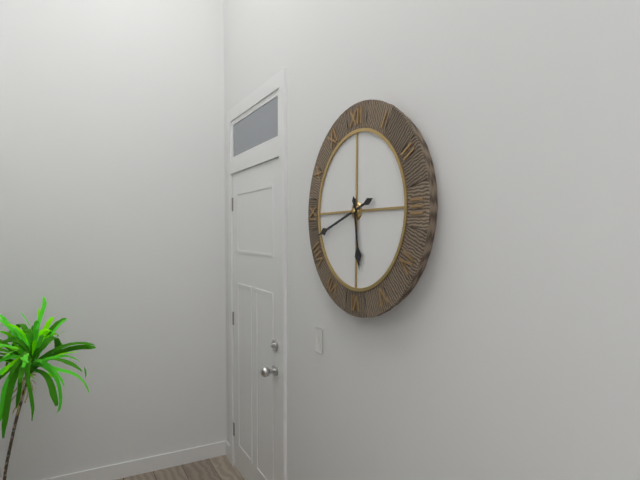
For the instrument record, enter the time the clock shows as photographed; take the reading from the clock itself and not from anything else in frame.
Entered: 5:42
